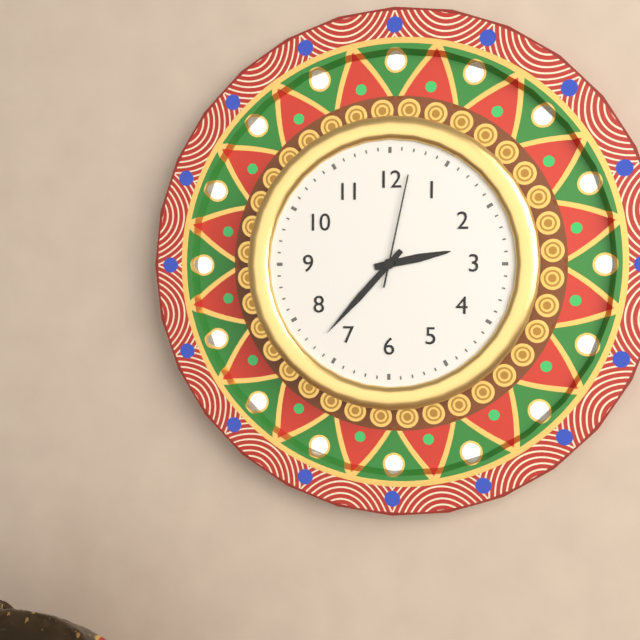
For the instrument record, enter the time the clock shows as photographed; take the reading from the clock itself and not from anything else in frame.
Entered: 2:37:02
